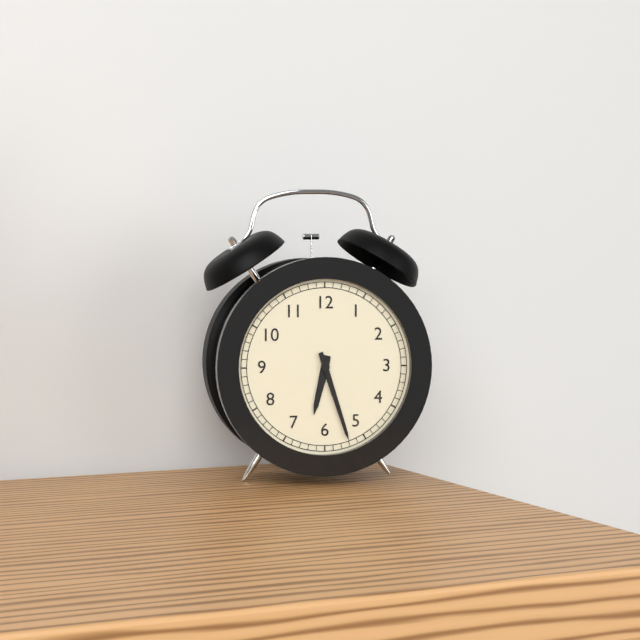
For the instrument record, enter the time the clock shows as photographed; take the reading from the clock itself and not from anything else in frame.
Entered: 6:27
